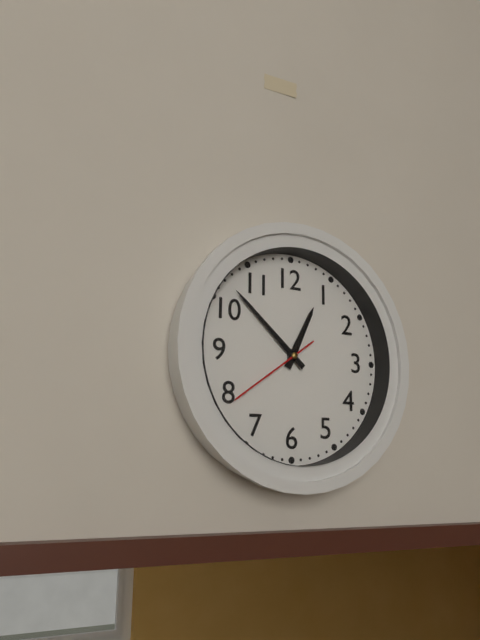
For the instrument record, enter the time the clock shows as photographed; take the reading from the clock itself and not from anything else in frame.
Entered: 12:52:39
